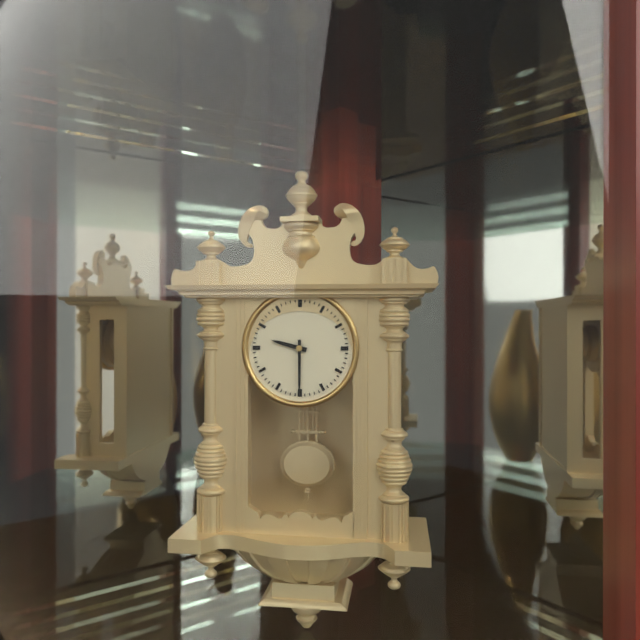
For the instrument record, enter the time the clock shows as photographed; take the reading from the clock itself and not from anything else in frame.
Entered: 9:30
